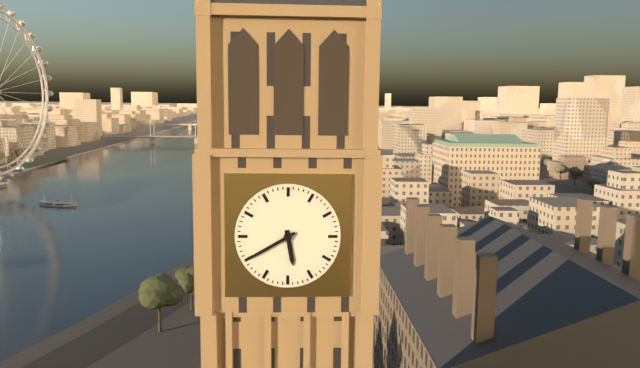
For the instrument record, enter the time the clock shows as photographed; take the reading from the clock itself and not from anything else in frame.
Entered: 5:40
